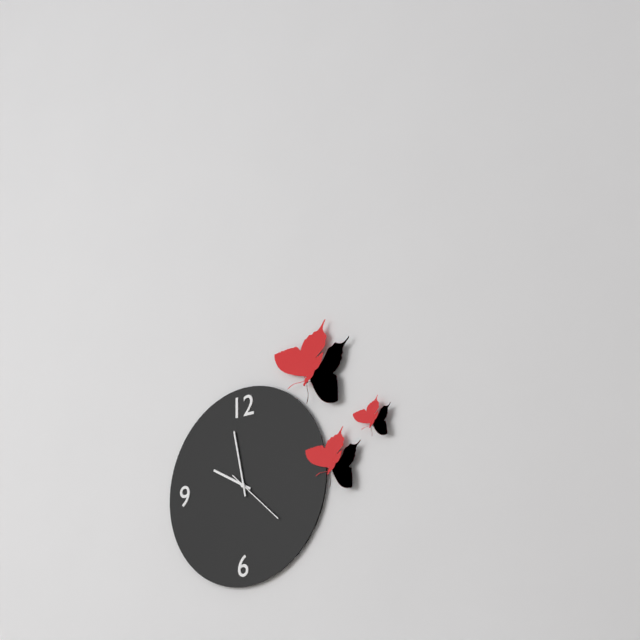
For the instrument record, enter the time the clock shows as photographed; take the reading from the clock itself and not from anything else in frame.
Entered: 9:58:22
